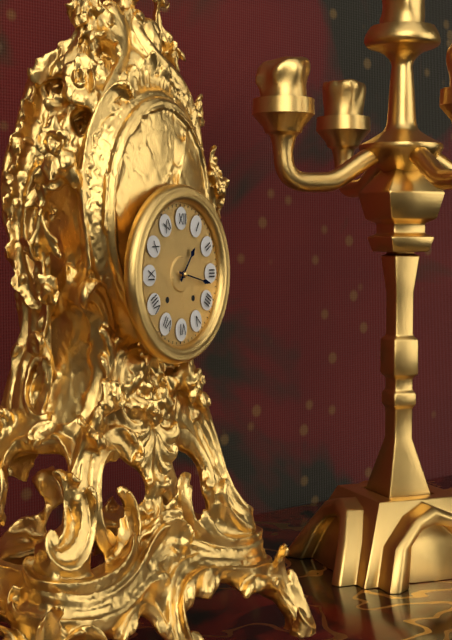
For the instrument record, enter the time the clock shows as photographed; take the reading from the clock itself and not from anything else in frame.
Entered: 1:17
